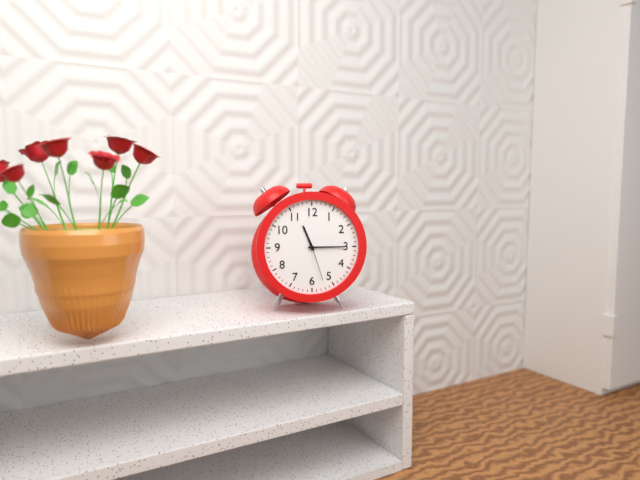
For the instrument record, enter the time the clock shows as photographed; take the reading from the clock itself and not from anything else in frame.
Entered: 11:15
